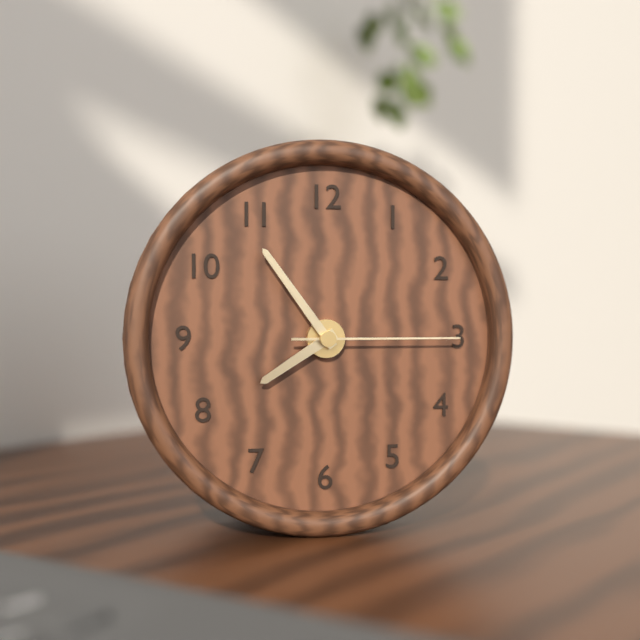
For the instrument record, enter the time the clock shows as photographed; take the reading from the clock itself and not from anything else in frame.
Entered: 7:54:15
